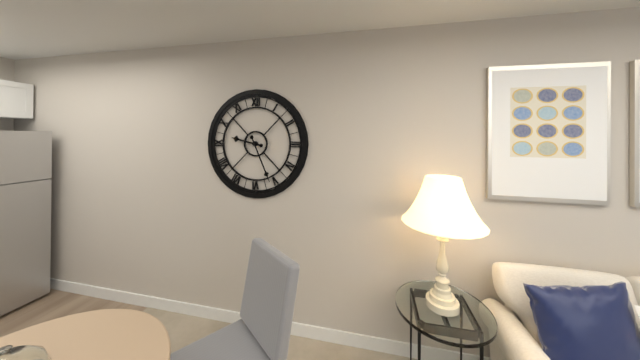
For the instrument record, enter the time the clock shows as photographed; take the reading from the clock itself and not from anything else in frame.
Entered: 9:26
